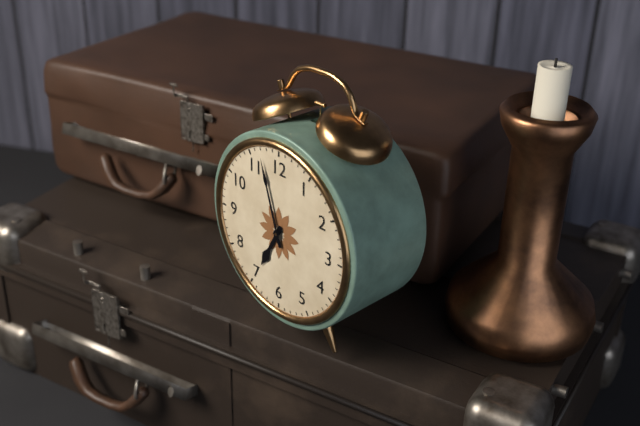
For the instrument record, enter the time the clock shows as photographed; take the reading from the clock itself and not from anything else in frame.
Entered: 6:57
